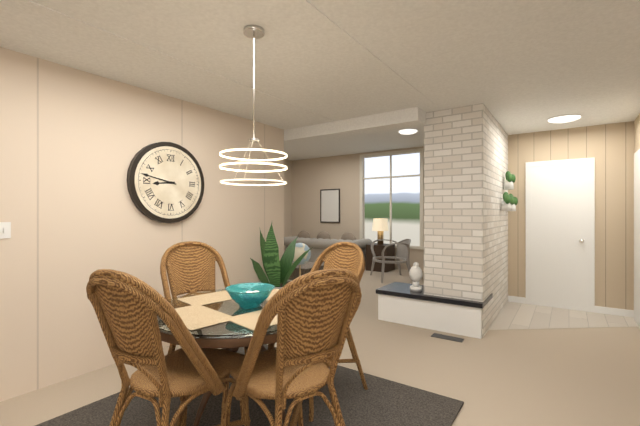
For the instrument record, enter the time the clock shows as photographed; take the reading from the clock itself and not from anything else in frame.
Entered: 8:47
